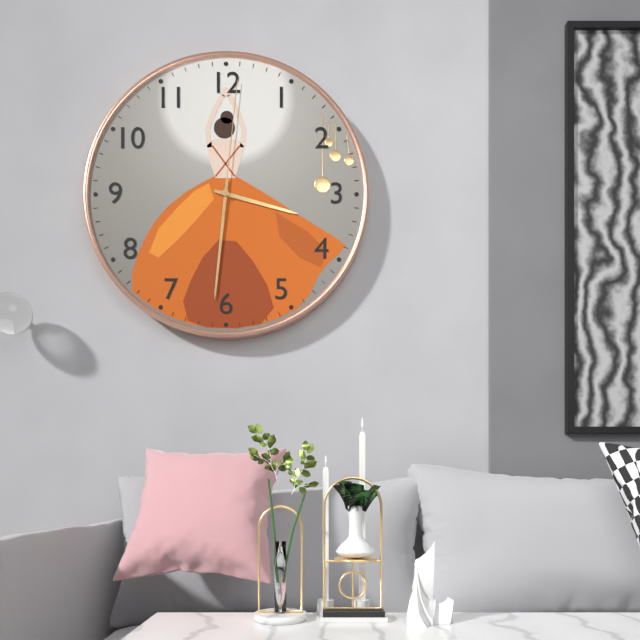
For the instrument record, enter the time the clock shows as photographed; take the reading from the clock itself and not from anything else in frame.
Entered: 3:31:01
